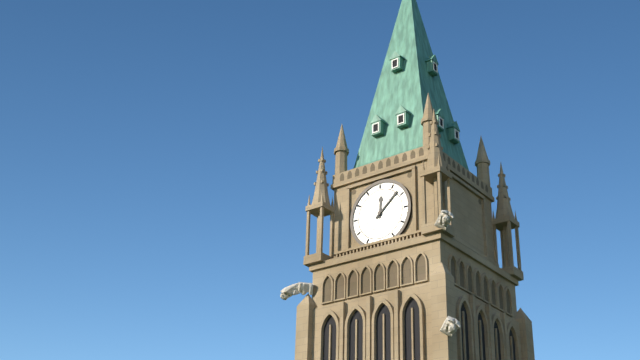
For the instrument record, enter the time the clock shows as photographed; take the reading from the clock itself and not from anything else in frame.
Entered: 12:08
